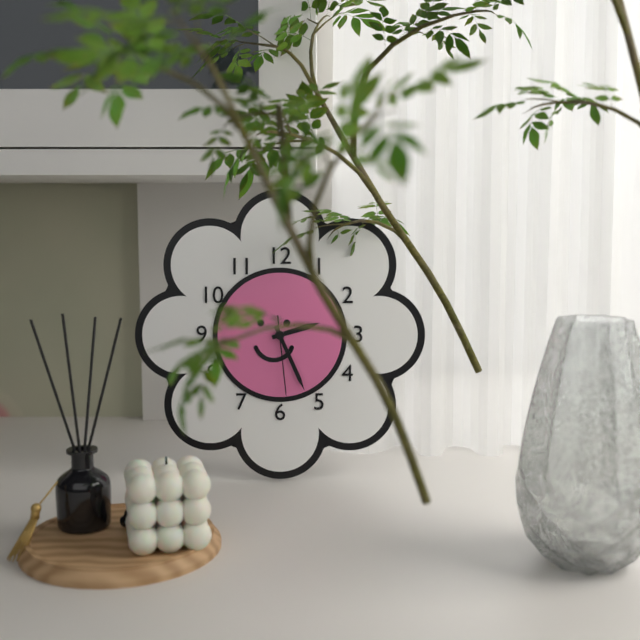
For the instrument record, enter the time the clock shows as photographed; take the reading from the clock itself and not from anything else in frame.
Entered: 2:26:29
